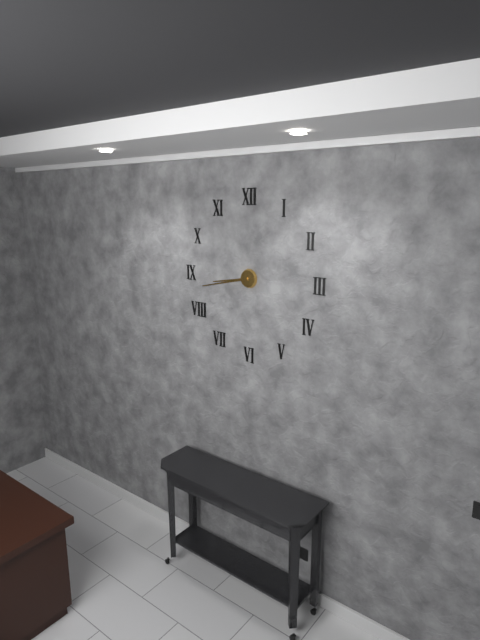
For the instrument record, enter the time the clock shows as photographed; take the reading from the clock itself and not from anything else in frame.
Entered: 8:43
